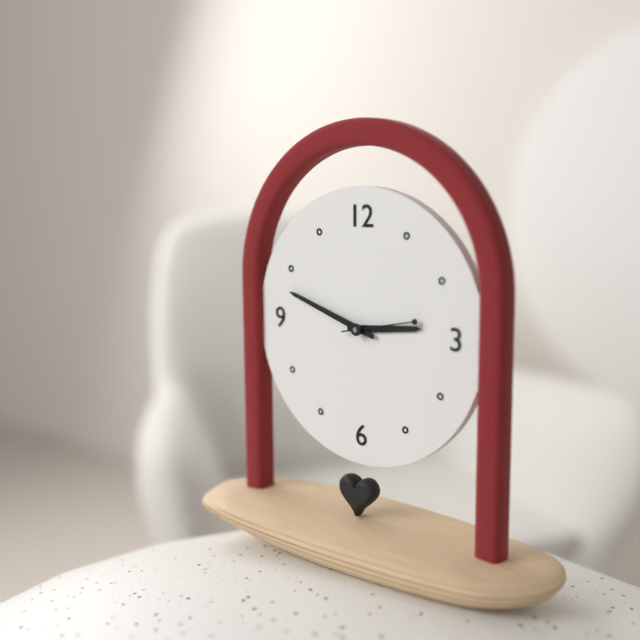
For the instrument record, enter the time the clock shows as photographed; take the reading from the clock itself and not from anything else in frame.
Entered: 2:48:13
